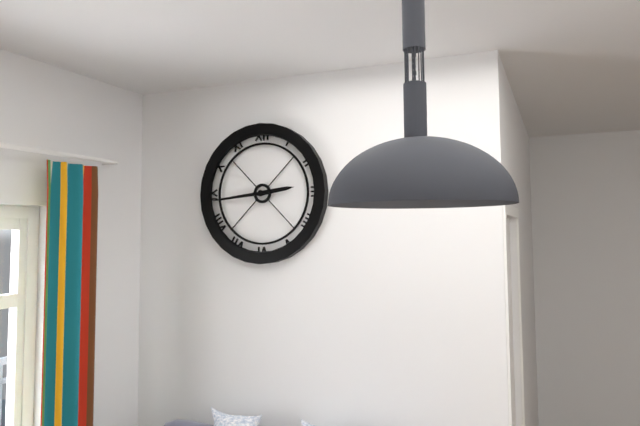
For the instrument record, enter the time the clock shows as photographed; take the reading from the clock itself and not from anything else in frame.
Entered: 2:44
